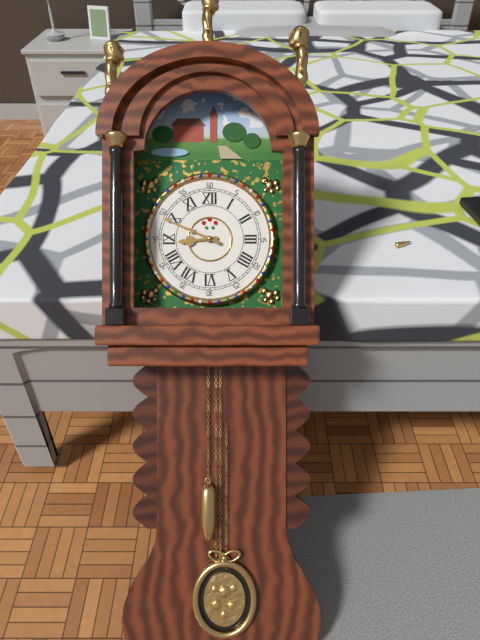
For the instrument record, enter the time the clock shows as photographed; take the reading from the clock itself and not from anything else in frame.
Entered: 8:49
